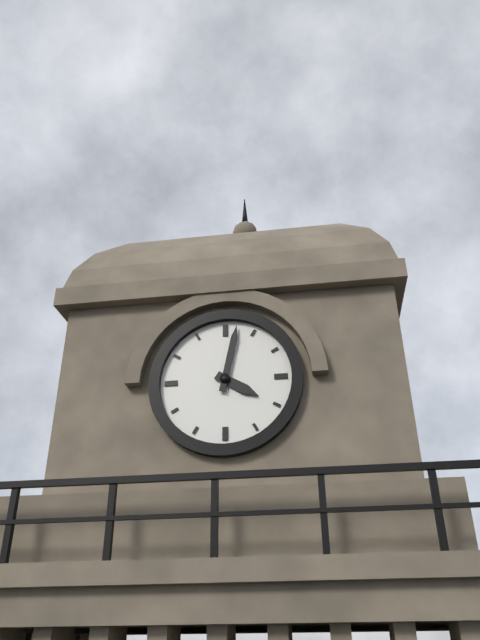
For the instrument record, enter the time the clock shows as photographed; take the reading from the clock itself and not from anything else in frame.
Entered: 4:02
